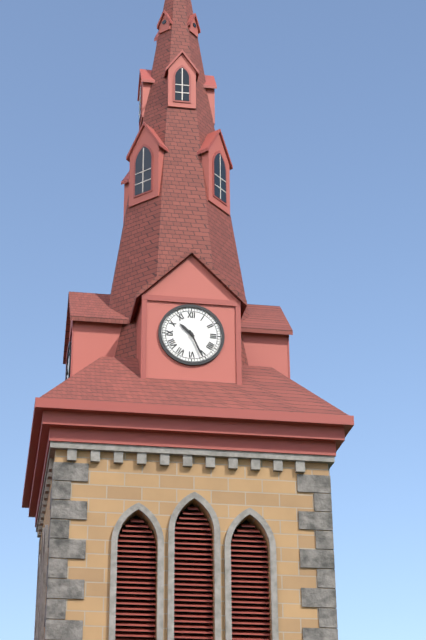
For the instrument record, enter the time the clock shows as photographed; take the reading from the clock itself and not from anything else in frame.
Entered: 10:26
